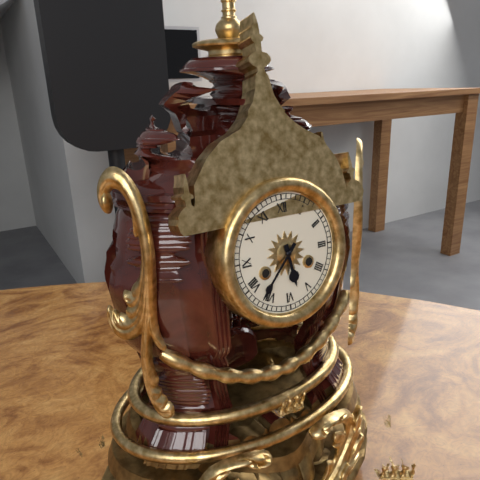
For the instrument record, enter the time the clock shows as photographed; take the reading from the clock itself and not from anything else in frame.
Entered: 5:37
